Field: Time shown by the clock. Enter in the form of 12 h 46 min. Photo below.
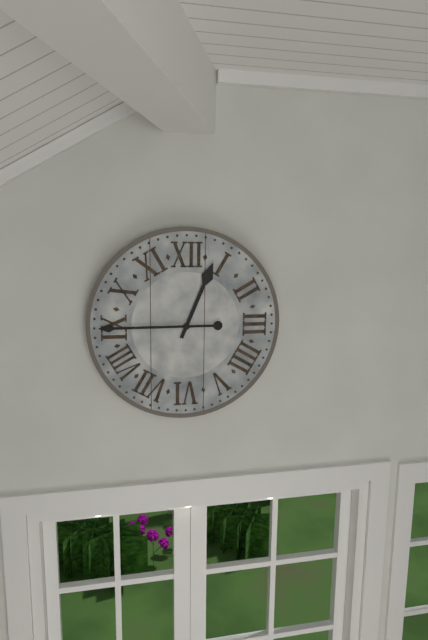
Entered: 12 h 45 min
